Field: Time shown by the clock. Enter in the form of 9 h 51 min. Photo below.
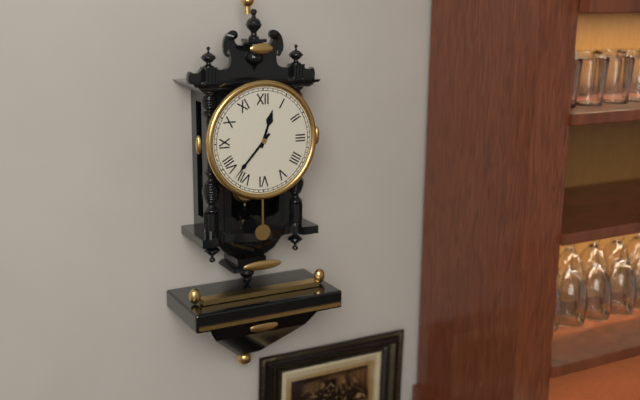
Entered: 12 h 37 min
